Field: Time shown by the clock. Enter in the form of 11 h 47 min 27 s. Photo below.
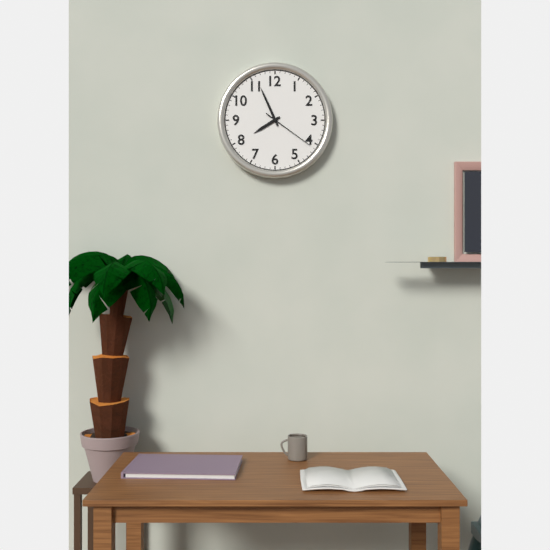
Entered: 7 h 56 min 21 s
